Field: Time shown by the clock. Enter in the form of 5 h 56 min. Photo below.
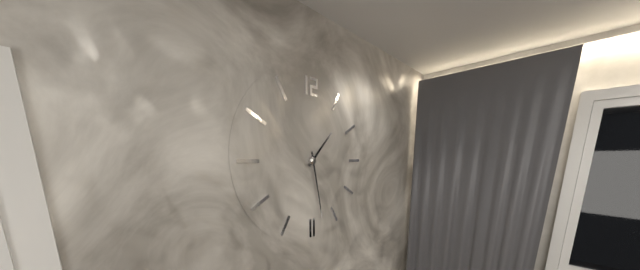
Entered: 1 h 28 min
